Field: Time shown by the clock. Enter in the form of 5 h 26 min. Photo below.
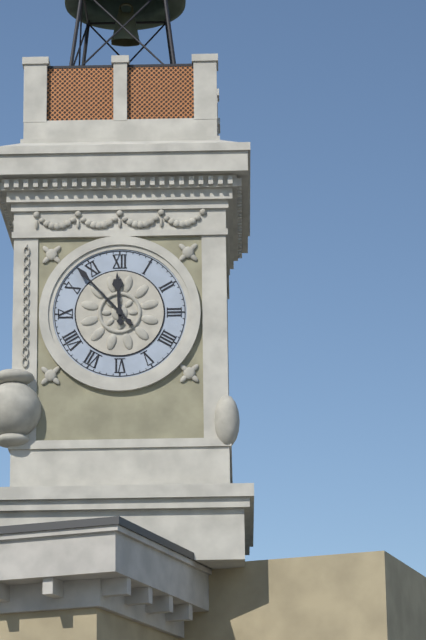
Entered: 11 h 53 min
